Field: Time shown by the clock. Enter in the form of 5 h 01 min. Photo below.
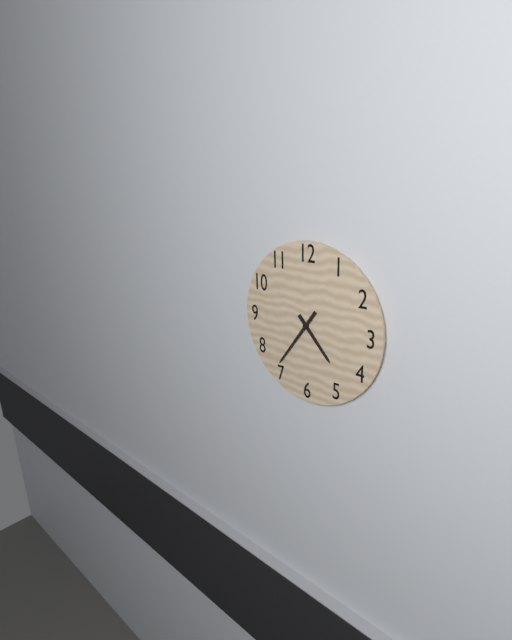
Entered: 4 h 36 min
